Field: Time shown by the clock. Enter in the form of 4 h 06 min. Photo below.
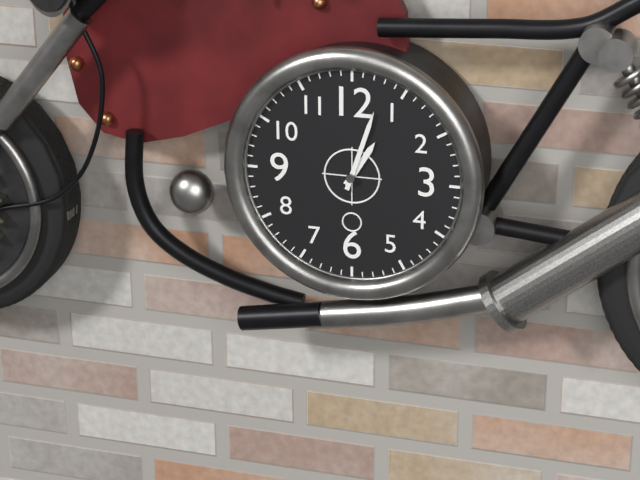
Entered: 1 h 03 min
